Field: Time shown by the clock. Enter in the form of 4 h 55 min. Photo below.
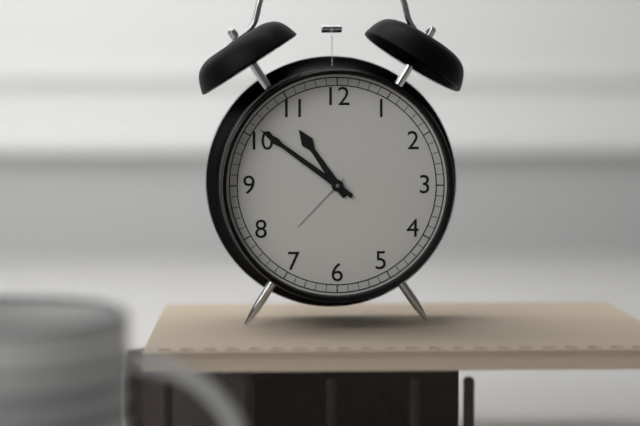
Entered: 10 h 51 min
